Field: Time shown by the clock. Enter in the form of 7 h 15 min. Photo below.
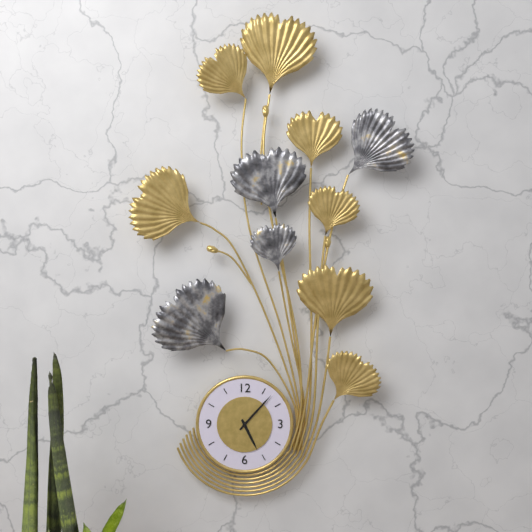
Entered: 5 h 07 min
